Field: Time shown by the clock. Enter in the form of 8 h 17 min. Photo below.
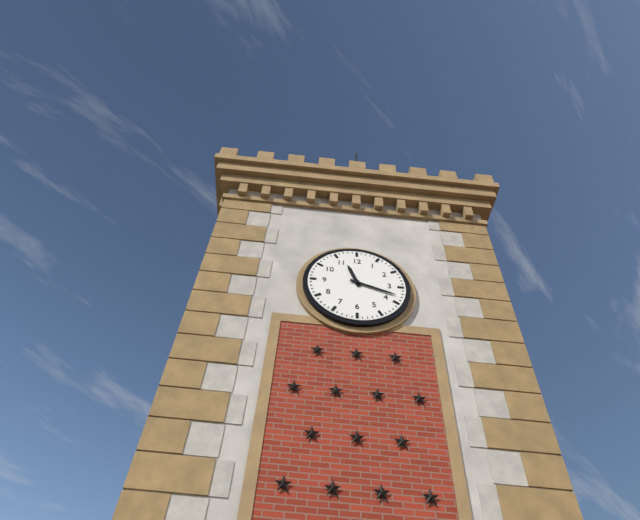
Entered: 11 h 18 min
